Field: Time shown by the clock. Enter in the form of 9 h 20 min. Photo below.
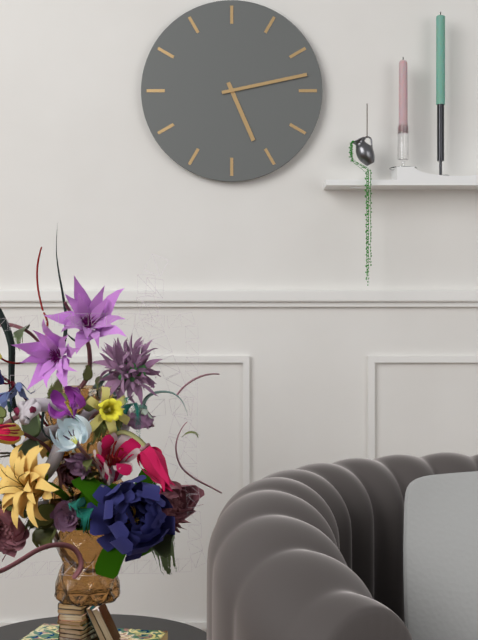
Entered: 5 h 13 min
